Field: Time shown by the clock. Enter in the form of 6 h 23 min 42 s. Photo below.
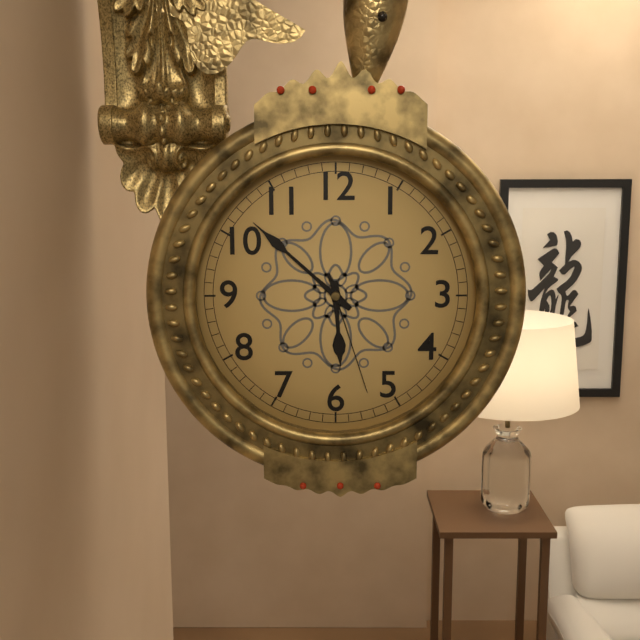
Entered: 5 h 52 min 27 s
